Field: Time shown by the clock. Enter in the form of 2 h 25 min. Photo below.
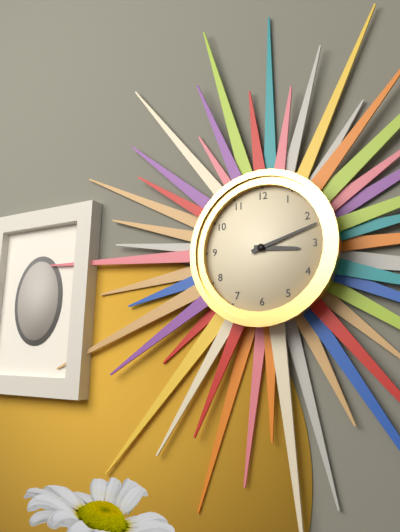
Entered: 3 h 12 min
